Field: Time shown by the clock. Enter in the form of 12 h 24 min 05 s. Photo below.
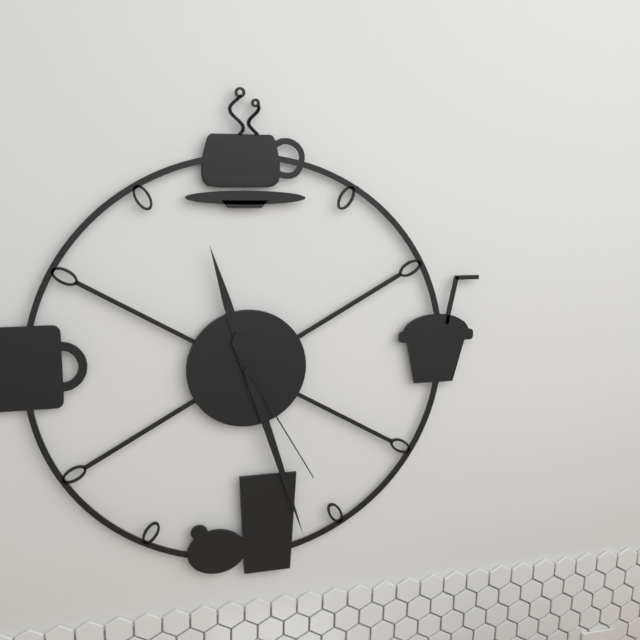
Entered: 11 h 27 min 25 s
